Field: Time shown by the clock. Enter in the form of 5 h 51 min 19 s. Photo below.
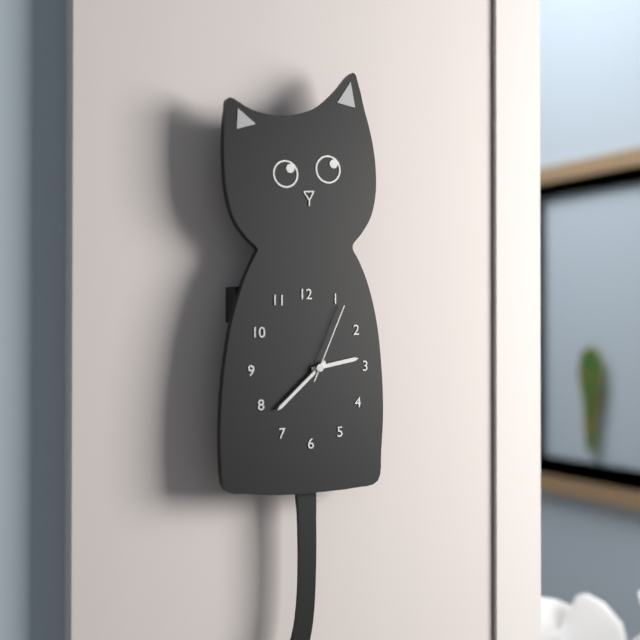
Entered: 2 h 38 min 04 s
